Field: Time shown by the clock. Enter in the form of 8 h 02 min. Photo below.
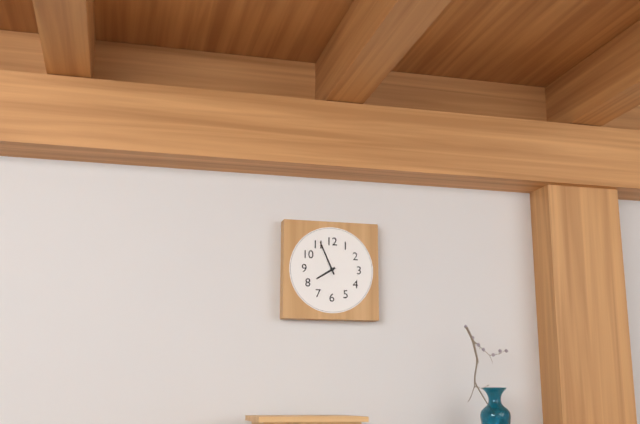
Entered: 7 h 56 min
